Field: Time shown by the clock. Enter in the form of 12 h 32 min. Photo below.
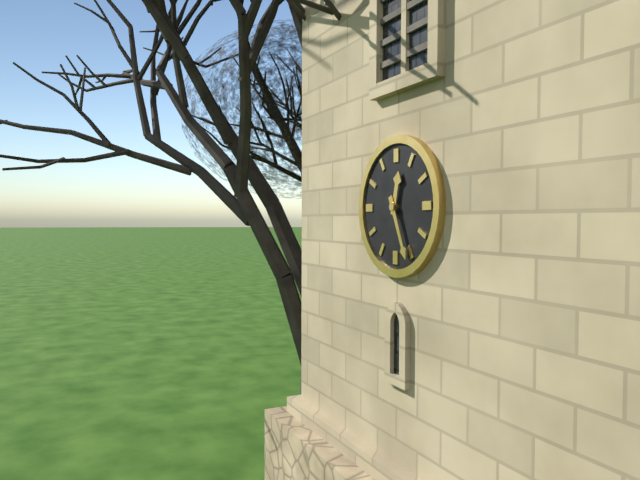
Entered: 12 h 26 min
